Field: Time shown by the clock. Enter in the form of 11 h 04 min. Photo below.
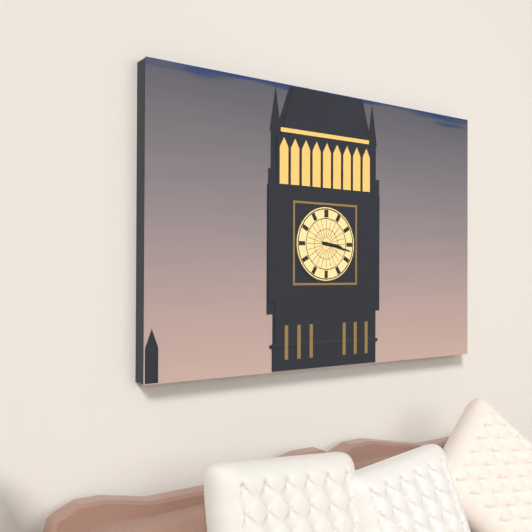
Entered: 3 h 17 min
